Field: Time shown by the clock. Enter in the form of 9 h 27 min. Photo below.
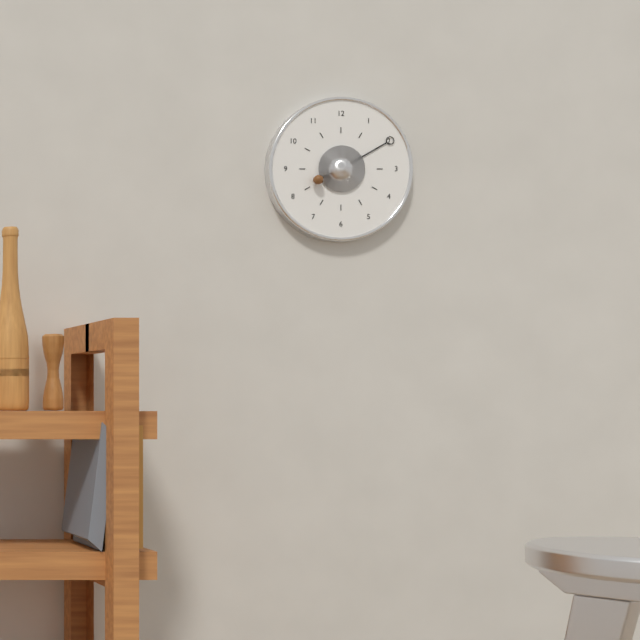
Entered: 8 h 10 min
